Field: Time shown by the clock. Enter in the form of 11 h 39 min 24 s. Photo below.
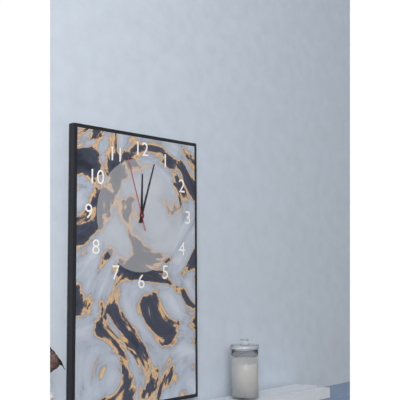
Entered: 12 h 03 min 57 s
